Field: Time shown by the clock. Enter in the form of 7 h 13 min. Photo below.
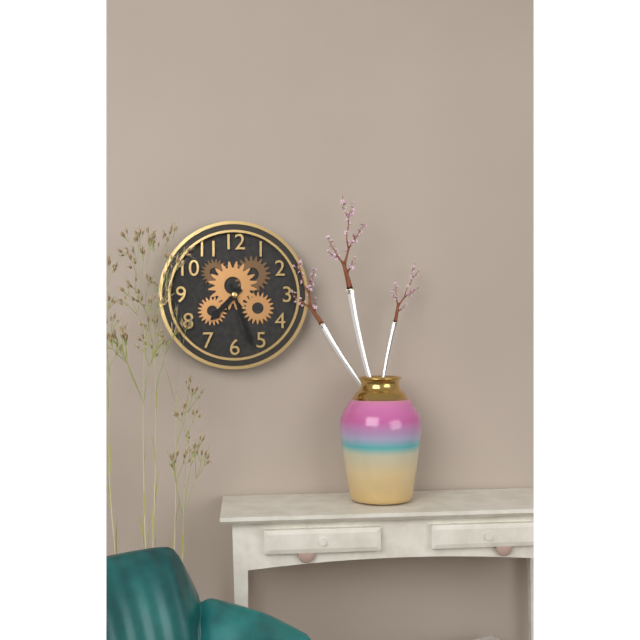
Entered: 7 h 27 min
